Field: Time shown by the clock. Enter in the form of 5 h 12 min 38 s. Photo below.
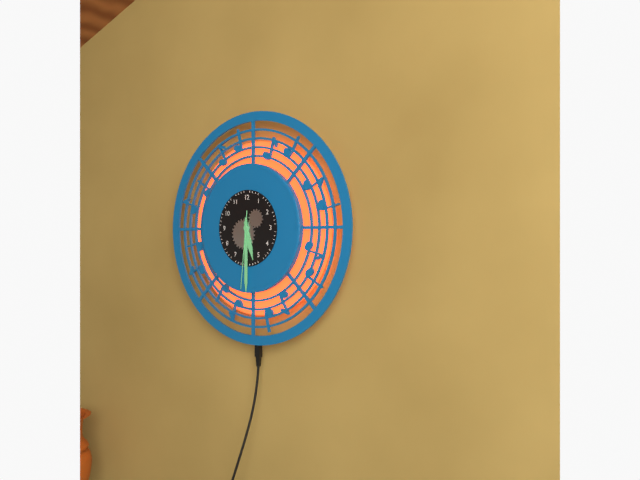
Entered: 5 h 30 min 31 s
